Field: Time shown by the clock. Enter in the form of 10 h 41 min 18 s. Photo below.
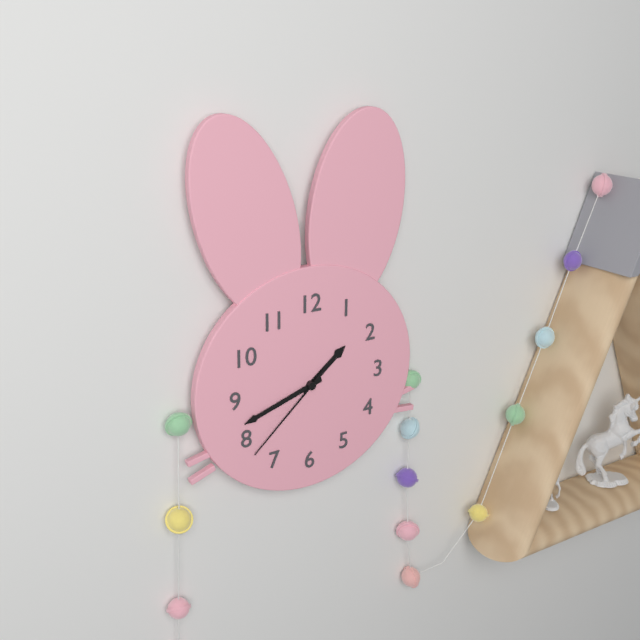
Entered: 1 h 42 min 38 s
